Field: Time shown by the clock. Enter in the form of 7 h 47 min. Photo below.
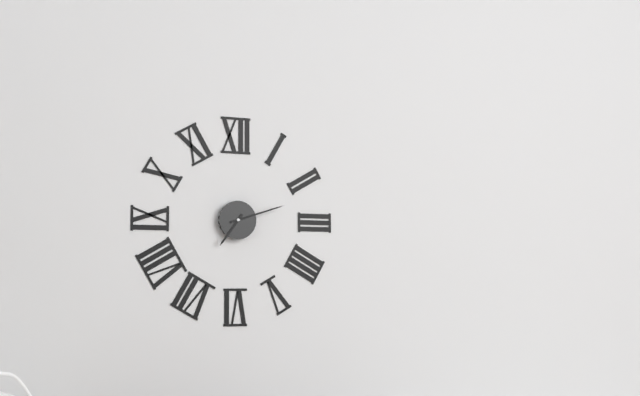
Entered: 7 h 12 min
